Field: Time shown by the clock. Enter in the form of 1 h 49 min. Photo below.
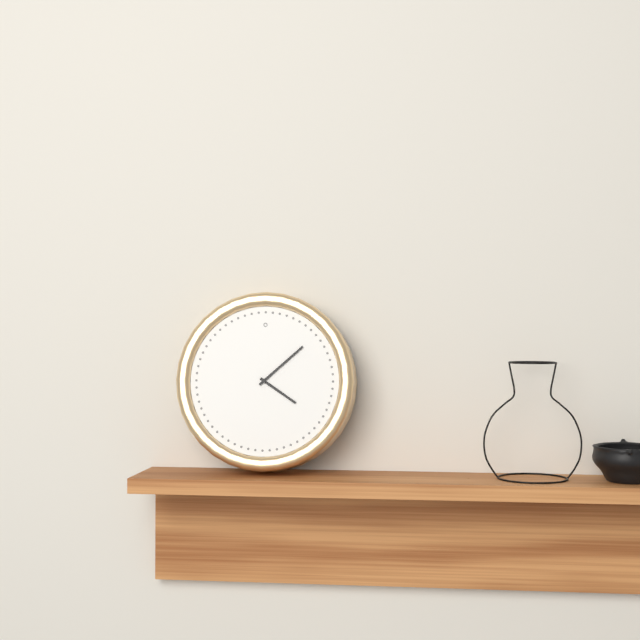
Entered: 4 h 08 min
